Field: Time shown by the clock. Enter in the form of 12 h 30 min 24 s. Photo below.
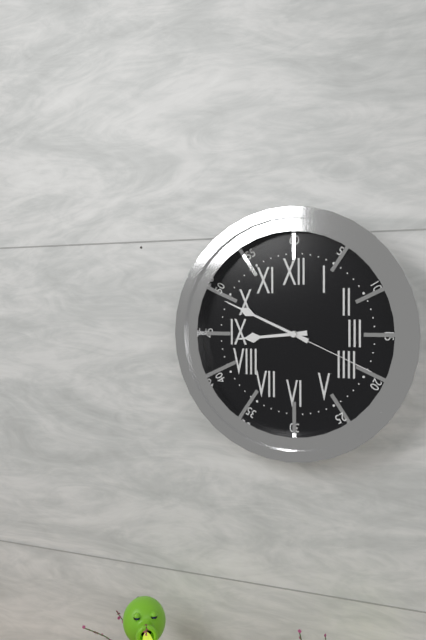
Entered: 8 h 49 min 19 s
